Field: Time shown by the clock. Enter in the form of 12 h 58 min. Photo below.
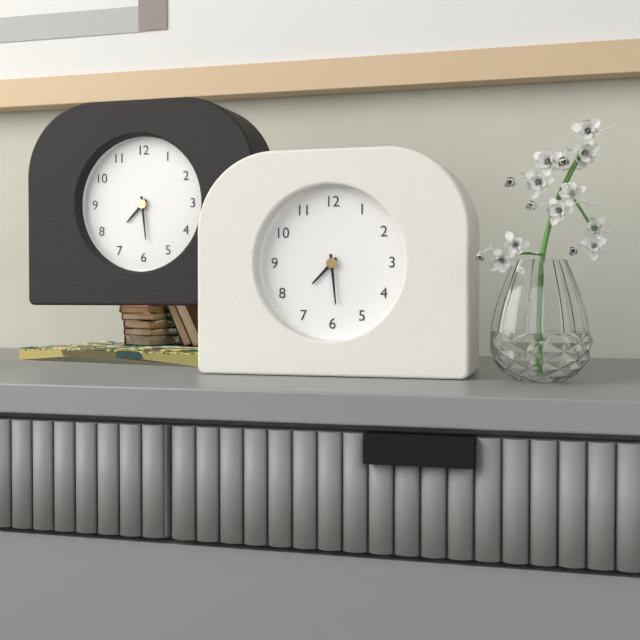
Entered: 7 h 29 min
